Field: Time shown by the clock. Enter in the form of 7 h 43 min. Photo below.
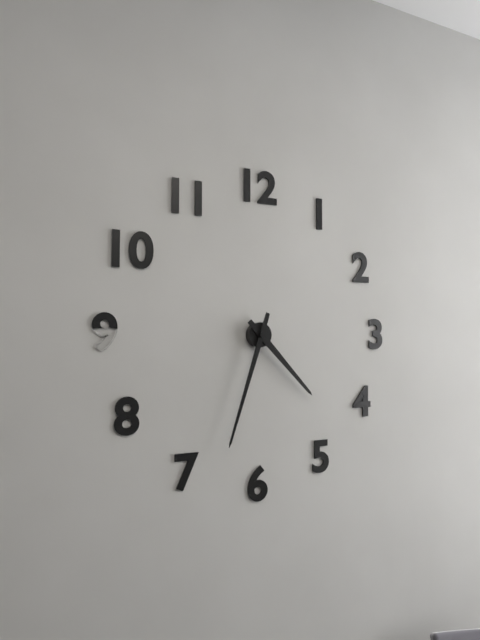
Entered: 4 h 33 min
